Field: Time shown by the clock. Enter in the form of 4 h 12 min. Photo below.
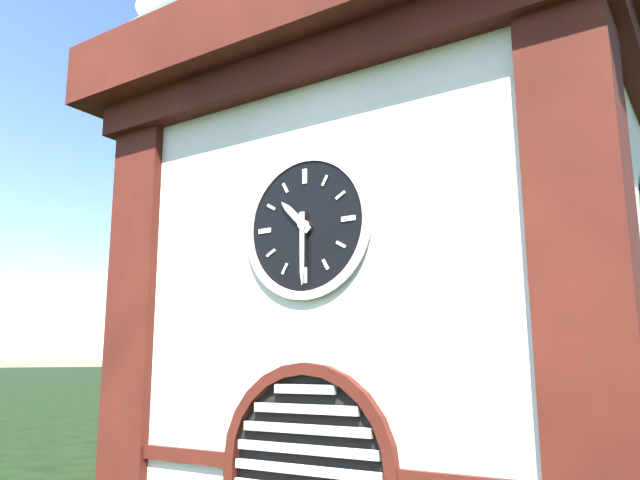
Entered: 10 h 30 min
